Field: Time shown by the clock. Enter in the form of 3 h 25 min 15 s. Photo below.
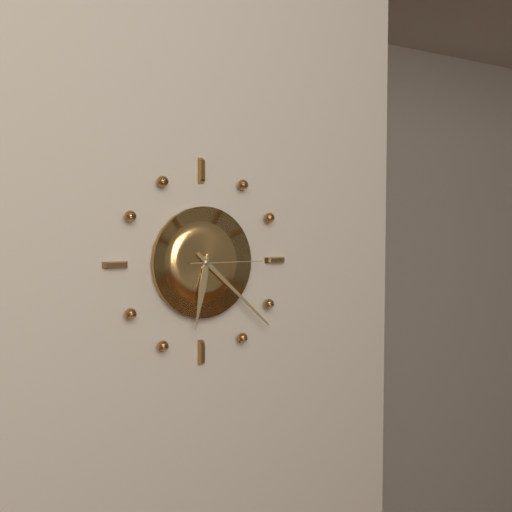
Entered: 6 h 22 min 15 s
